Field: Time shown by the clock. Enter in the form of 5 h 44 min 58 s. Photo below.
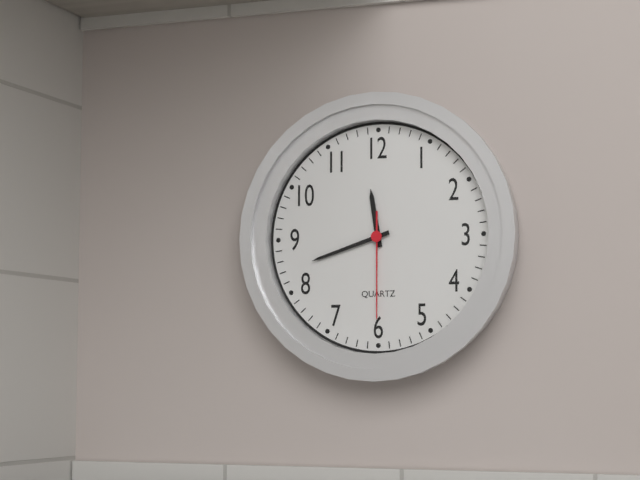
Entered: 11 h 42 min 30 s
